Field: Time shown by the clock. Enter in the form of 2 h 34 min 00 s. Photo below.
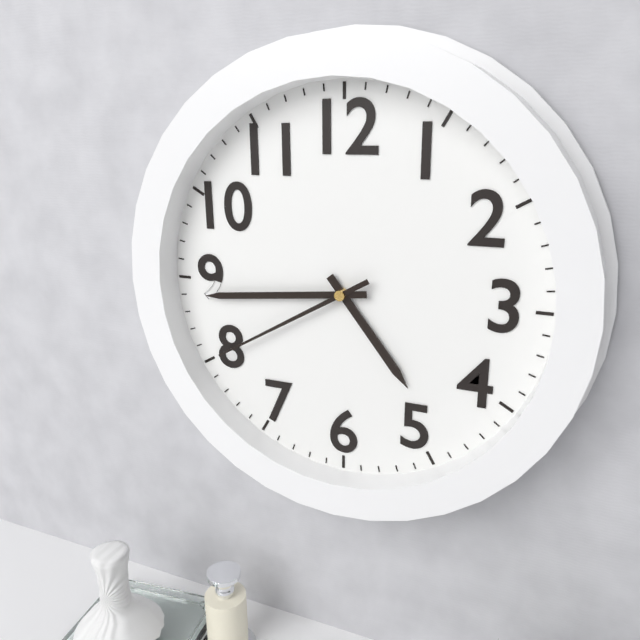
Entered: 4 h 44 min 40 s
